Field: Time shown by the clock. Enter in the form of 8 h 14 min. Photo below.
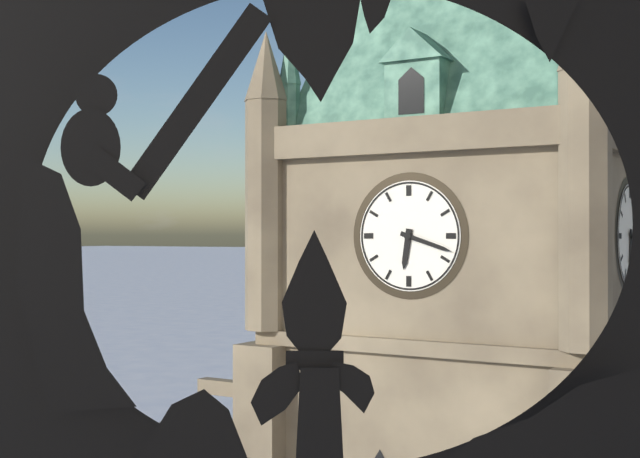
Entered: 6 h 18 min
